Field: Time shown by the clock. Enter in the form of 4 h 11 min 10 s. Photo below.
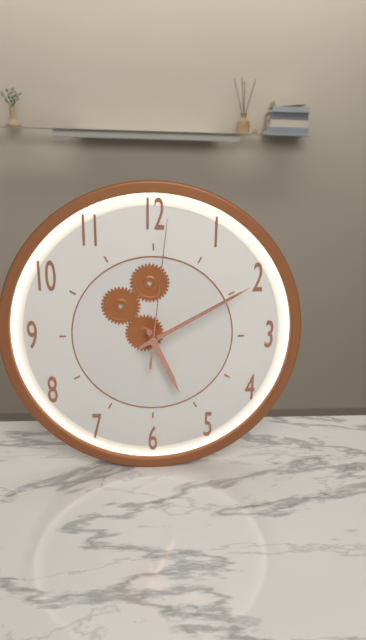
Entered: 5 h 10 min 01 s
